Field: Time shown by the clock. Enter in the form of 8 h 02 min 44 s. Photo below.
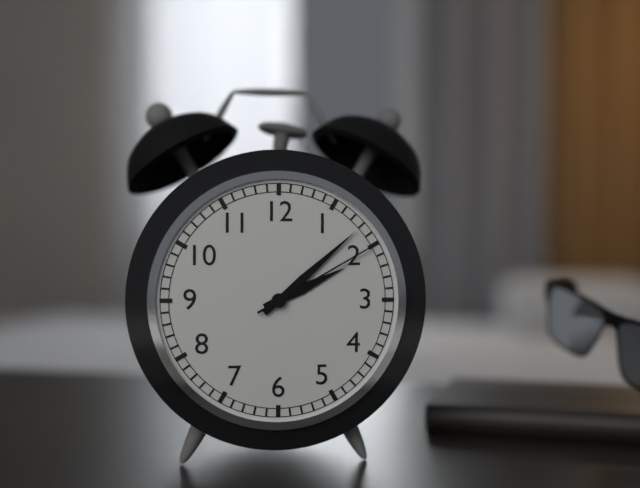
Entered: 2 h 08 min 10 s
